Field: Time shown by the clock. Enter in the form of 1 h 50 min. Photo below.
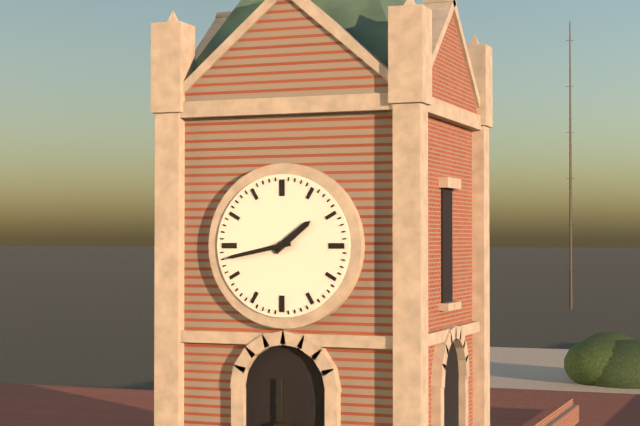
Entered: 1 h 43 min
